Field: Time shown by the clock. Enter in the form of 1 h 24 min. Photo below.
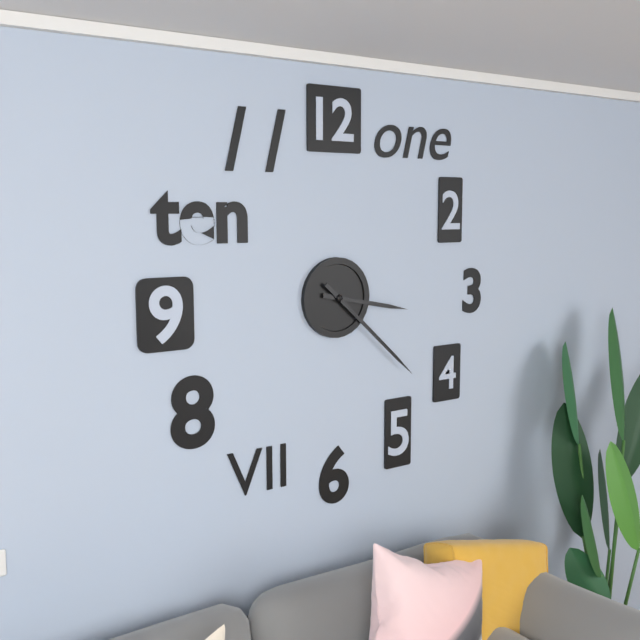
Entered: 3 h 22 min
